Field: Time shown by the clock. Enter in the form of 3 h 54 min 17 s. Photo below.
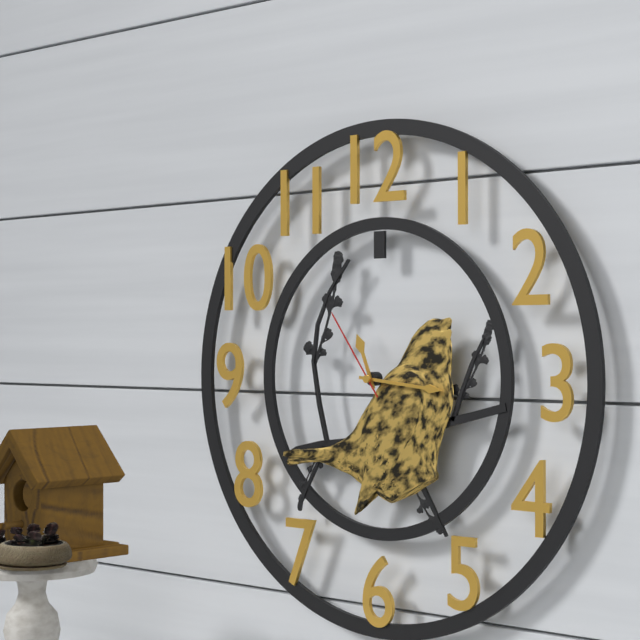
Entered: 11 h 16 min 54 s
